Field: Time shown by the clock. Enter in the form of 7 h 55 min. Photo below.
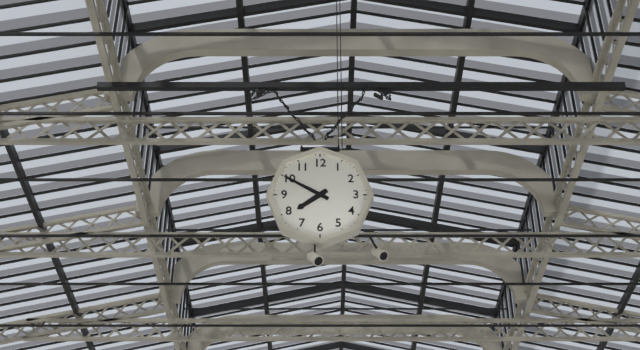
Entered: 7 h 50 min
